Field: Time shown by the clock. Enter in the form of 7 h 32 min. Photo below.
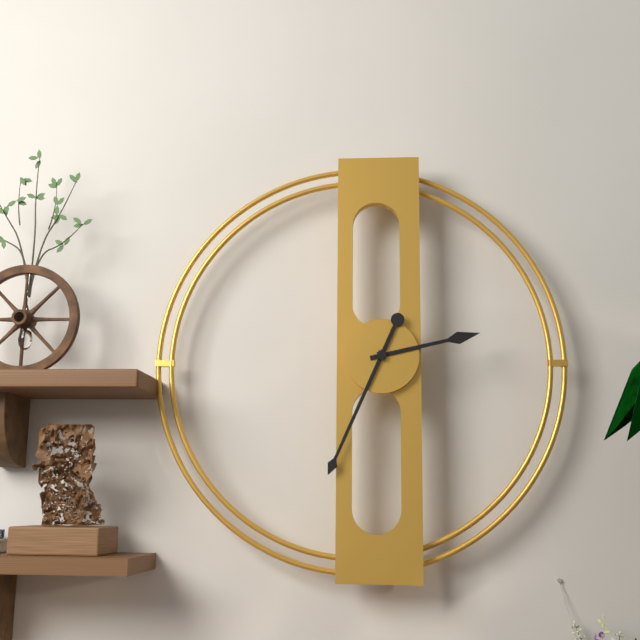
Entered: 2 h 34 min
